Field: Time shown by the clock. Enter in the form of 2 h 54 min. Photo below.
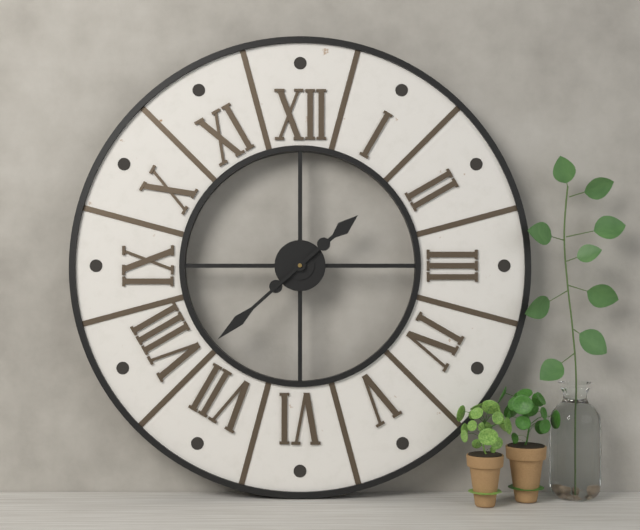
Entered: 1 h 38 min
